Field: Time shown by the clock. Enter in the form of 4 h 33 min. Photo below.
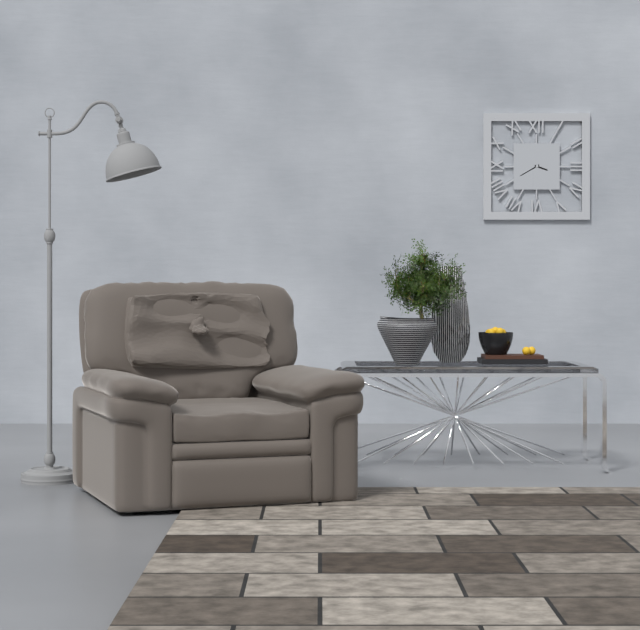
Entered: 3 h 40 min
